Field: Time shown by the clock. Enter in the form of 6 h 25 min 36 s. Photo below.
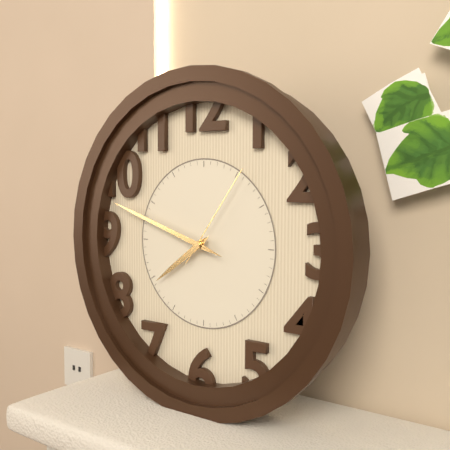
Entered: 7 h 48 min 06 s
